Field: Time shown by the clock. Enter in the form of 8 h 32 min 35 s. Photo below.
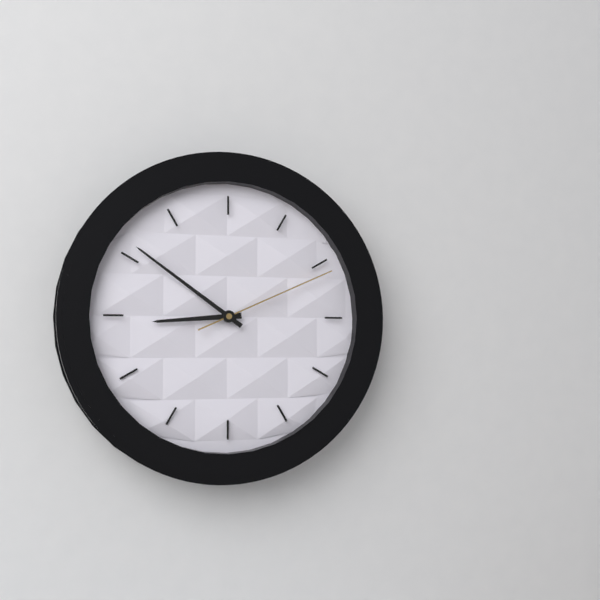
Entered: 8 h 51 min 11 s
